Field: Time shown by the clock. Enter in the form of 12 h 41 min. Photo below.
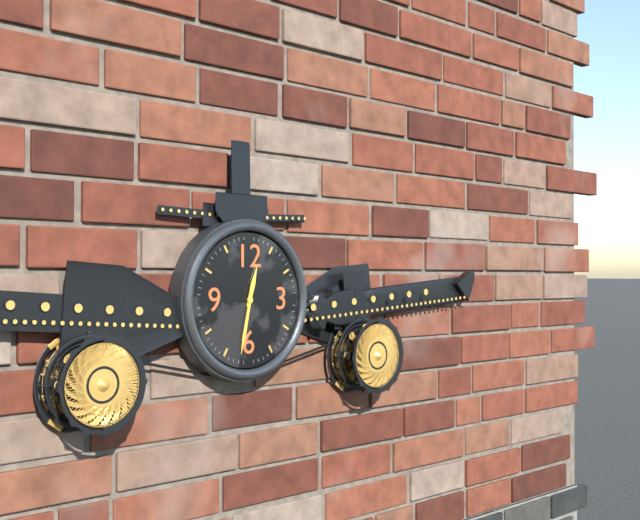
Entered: 12 h 32 min
